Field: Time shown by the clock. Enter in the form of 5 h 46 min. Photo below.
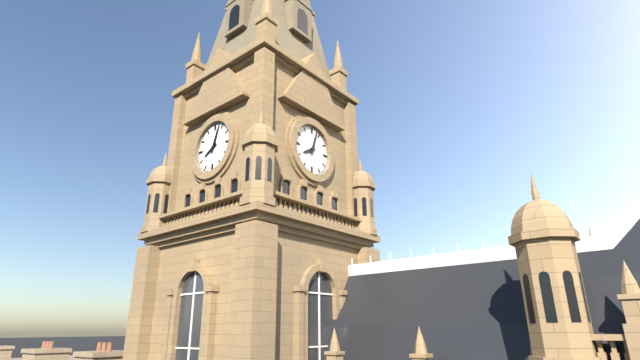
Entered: 8 h 03 min
